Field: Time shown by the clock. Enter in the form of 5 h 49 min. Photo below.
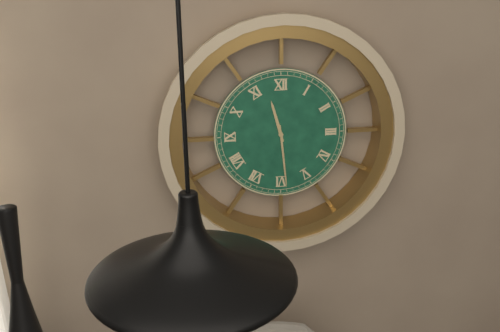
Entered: 11 h 29 min
